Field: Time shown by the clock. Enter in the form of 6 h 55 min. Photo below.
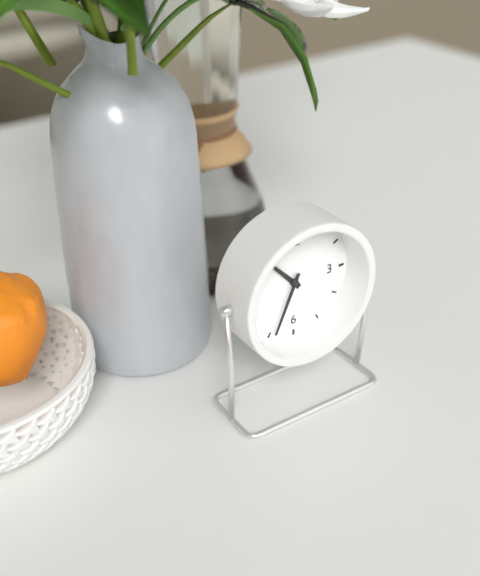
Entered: 10 h 34 min
